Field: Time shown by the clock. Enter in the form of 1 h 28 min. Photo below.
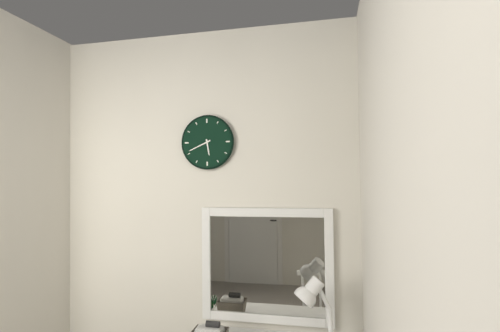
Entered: 5 h 41 min
